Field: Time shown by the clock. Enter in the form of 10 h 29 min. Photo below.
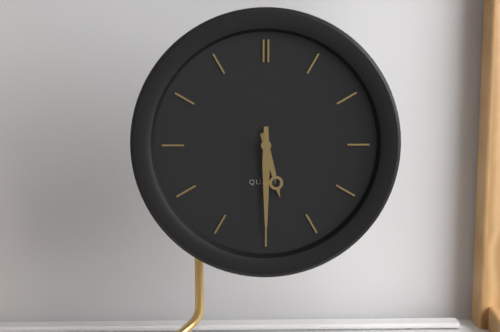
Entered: 5 h 30 min
